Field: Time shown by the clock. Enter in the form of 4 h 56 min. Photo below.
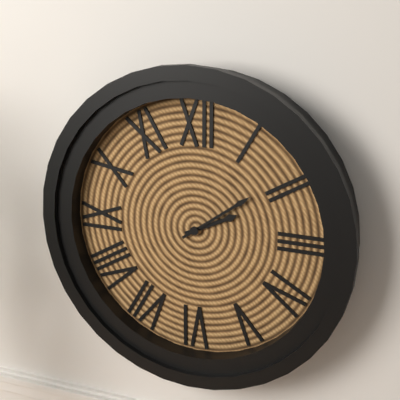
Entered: 2 h 09 min
